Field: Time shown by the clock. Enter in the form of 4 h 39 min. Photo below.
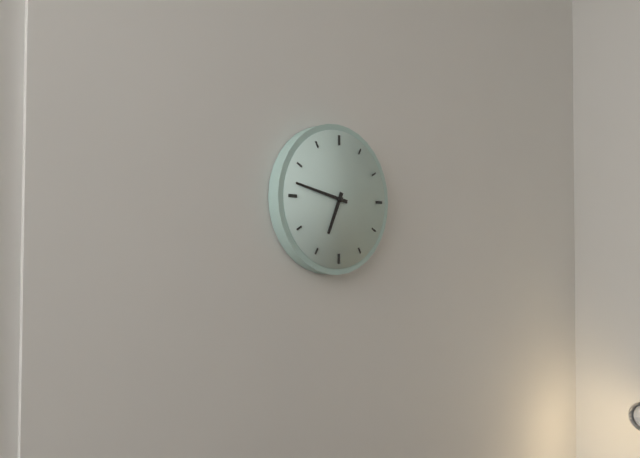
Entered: 6 h 47 min
